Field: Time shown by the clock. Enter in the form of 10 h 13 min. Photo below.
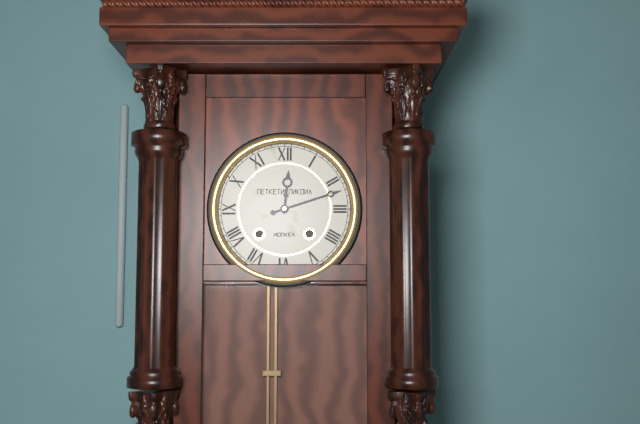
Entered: 12 h 12 min
